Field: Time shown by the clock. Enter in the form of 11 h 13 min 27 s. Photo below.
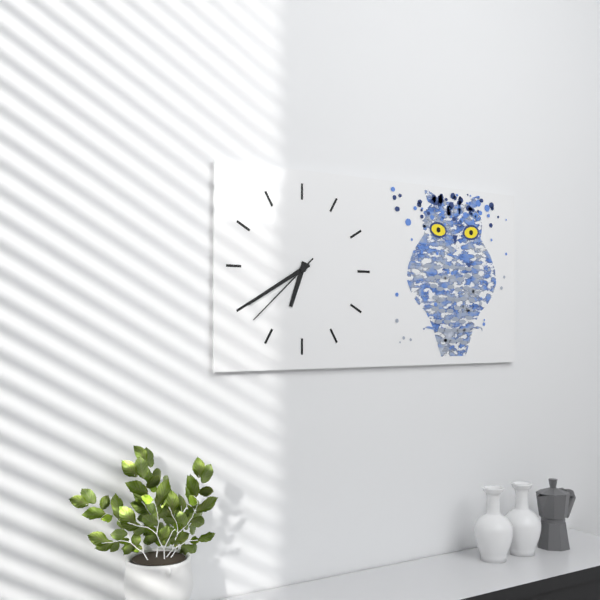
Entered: 6 h 40 min 38 s
